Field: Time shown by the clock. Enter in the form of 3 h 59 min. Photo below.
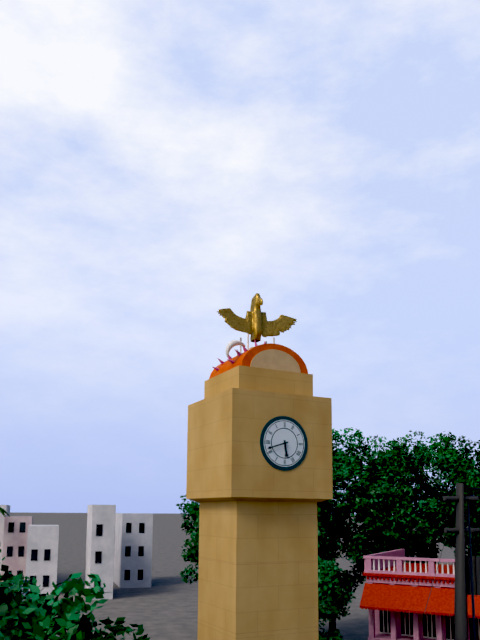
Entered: 5 h 42 min
